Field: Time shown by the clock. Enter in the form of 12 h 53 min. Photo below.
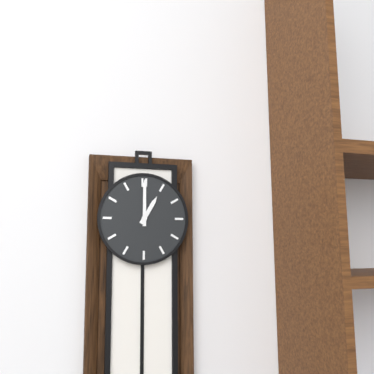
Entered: 1 h 00 min
